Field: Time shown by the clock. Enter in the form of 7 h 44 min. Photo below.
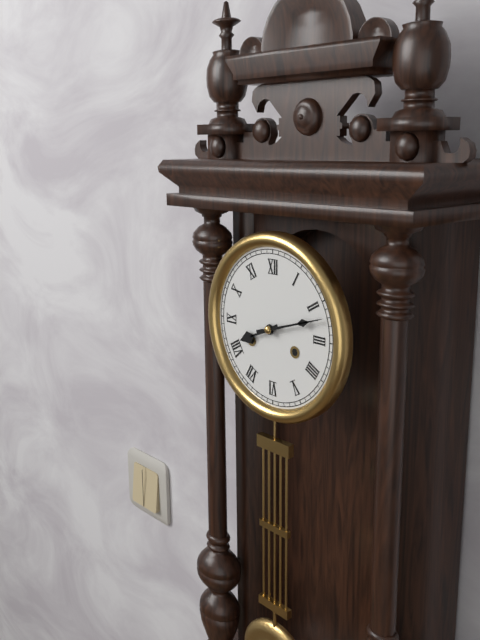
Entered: 8 h 12 min
